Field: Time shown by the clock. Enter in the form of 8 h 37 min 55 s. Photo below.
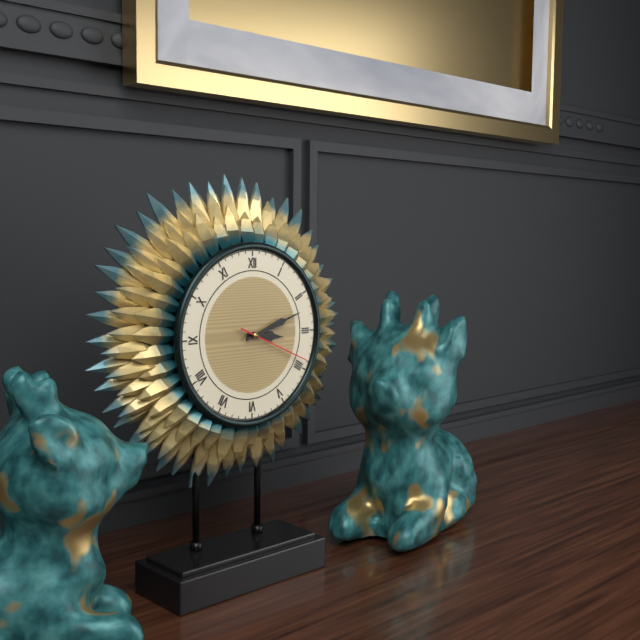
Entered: 3 h 12 min 19 s
